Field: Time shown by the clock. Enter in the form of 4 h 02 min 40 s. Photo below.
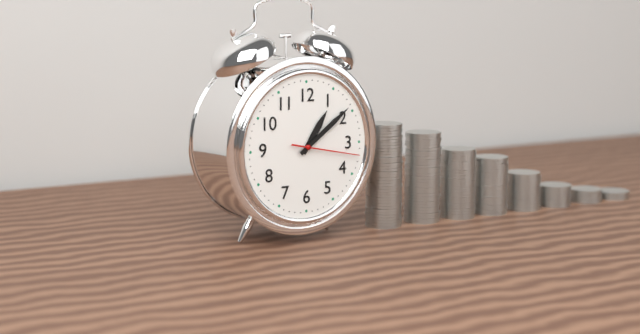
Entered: 1 h 09 min 17 s
